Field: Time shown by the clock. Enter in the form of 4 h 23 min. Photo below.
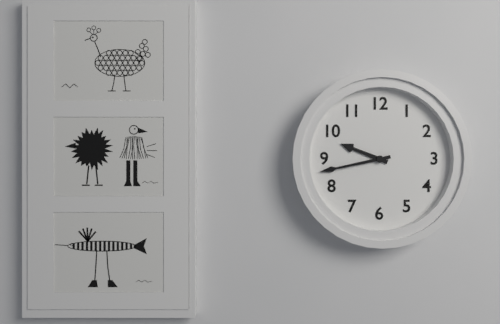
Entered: 9 h 43 min
